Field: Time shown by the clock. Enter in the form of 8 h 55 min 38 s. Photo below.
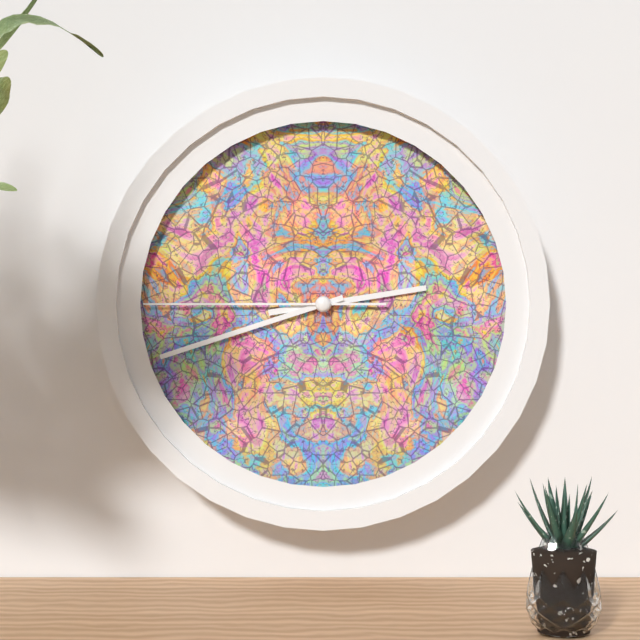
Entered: 2 h 42 min 45 s
